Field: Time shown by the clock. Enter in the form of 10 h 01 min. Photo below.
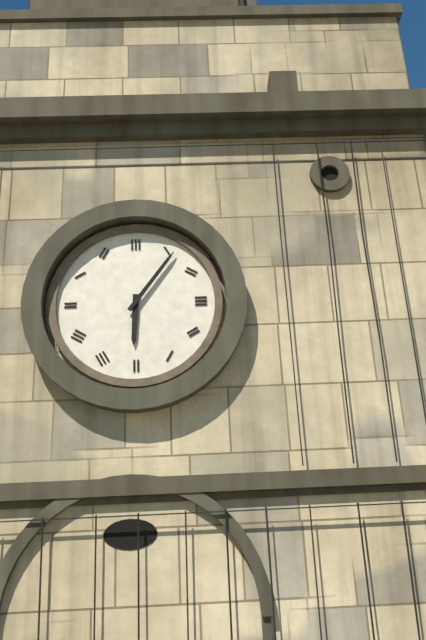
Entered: 6 h 06 min
